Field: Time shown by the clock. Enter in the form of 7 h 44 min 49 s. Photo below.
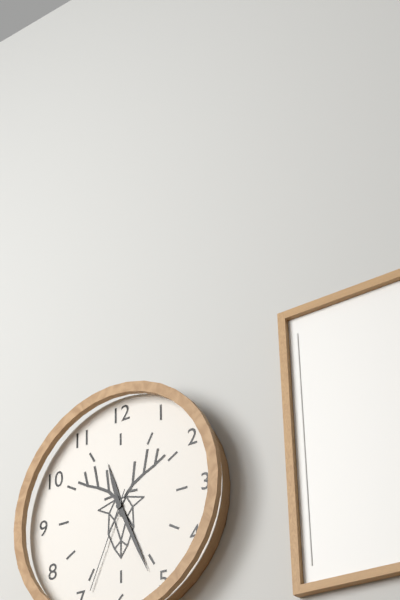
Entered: 11 h 26 min 34 s
